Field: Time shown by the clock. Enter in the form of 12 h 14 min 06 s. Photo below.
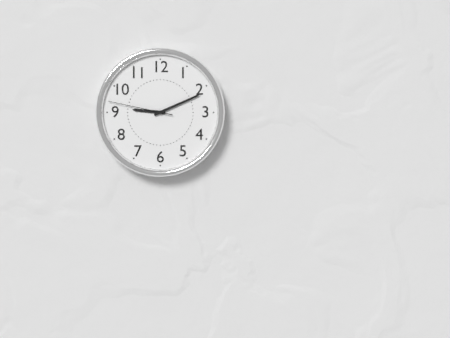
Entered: 9 h 11 min 47 s
